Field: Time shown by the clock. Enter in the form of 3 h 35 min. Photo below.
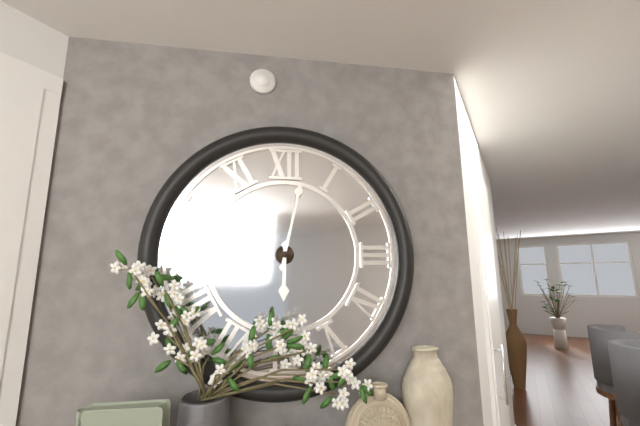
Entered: 6 h 02 min
